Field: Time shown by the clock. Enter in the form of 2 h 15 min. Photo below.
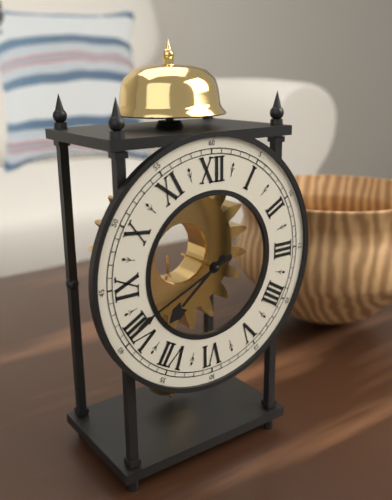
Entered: 7 h 41 min
